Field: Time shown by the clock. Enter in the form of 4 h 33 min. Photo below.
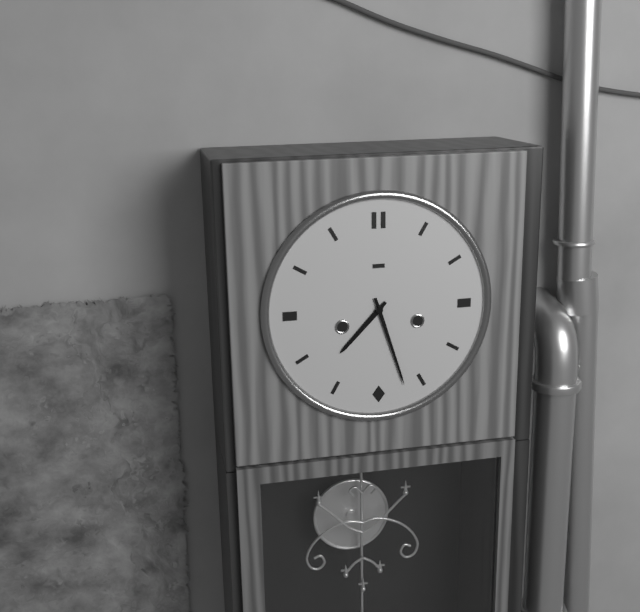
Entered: 7 h 27 min
